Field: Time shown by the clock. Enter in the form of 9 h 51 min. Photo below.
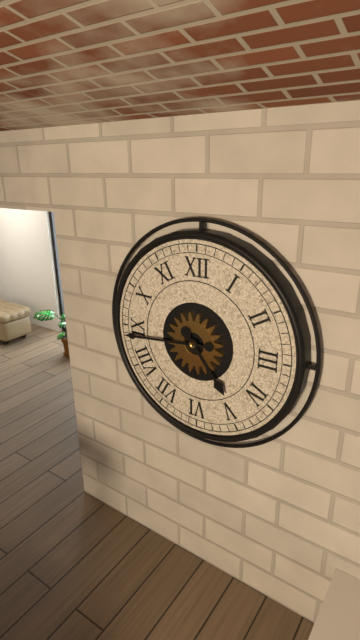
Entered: 4 h 44 min
